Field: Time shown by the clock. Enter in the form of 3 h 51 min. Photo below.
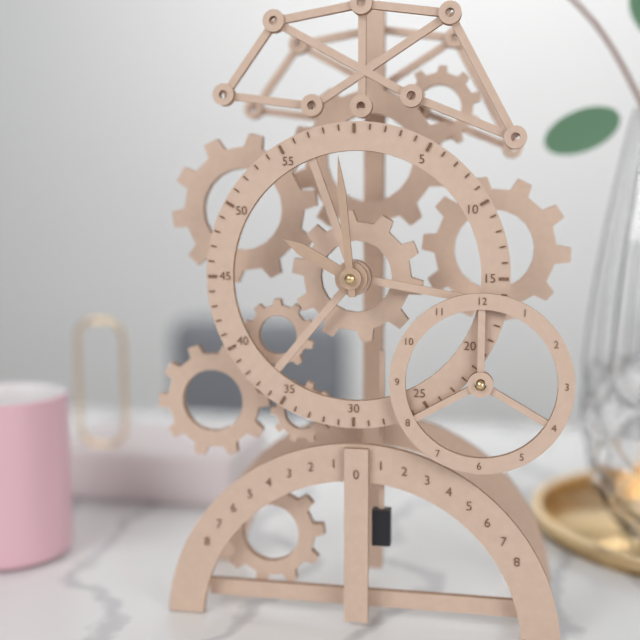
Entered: 9 h 59 min
